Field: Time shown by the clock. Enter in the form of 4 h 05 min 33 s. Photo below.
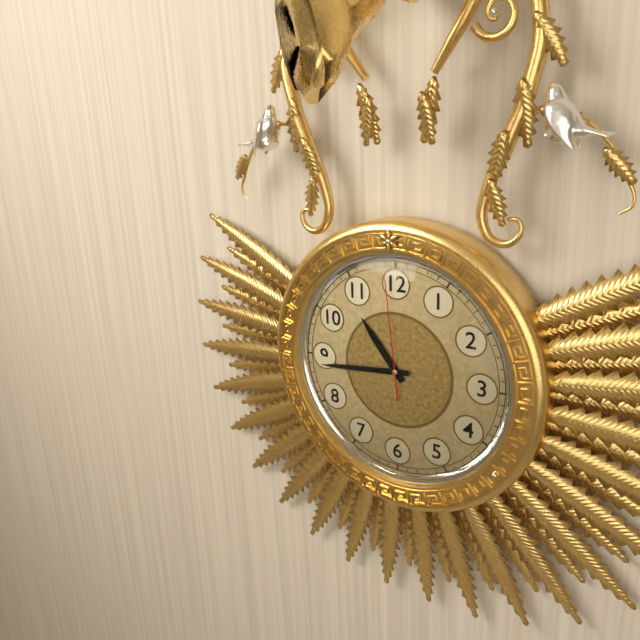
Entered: 10 h 44 min 59 s
